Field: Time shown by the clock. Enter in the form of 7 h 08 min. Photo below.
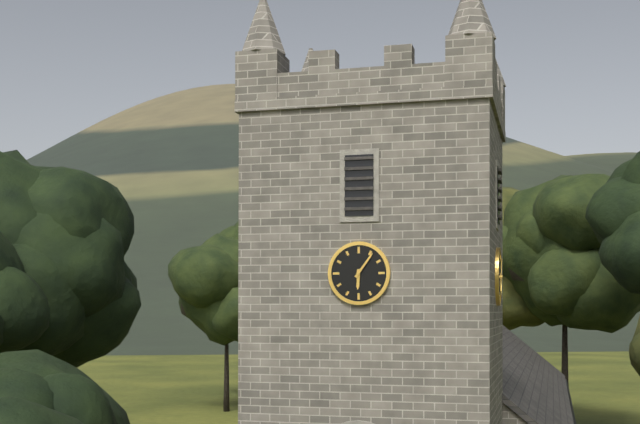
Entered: 6 h 06 min
